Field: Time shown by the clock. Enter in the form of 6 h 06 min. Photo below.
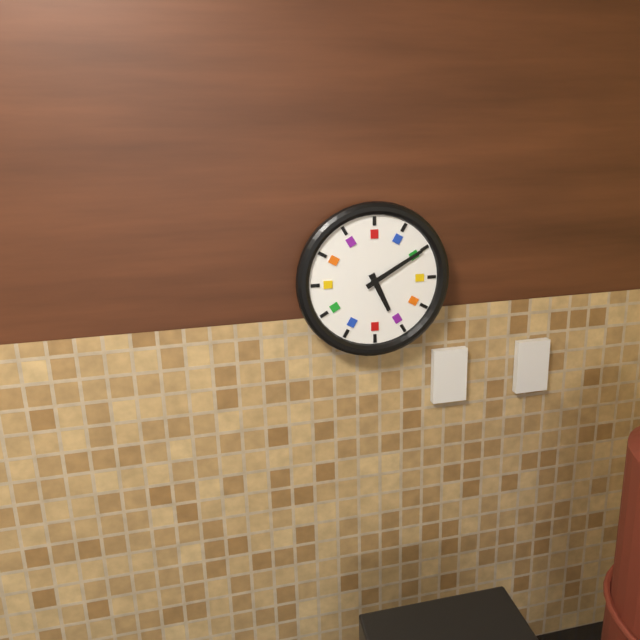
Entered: 5 h 10 min
